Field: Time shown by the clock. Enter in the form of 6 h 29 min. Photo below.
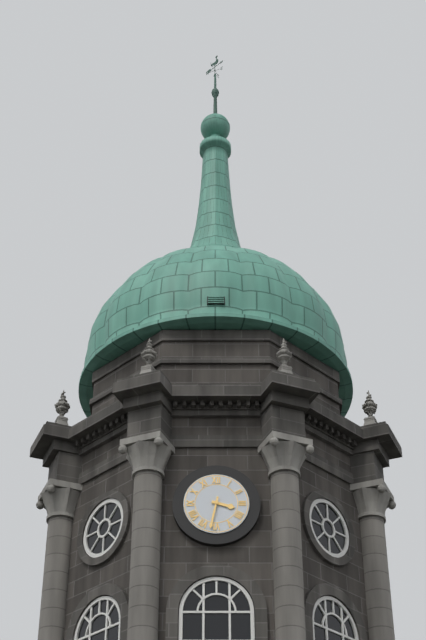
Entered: 3 h 32 min
